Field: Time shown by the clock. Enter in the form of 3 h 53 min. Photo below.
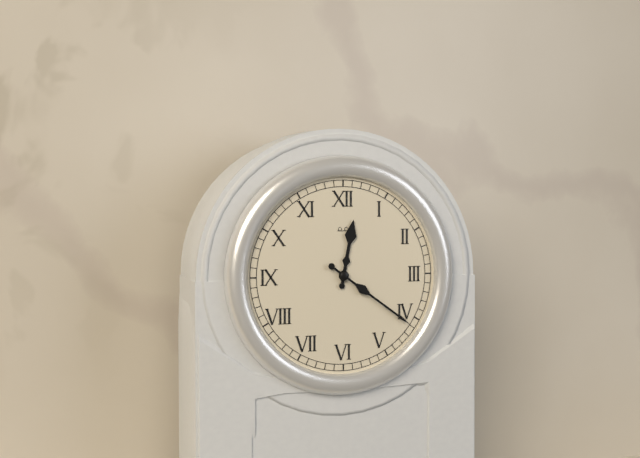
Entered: 12 h 21 min
